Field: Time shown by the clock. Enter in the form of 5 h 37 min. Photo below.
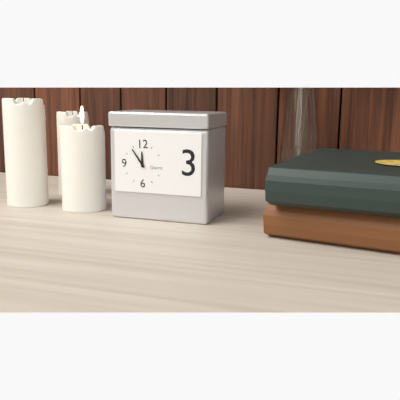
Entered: 11 h 54 min
